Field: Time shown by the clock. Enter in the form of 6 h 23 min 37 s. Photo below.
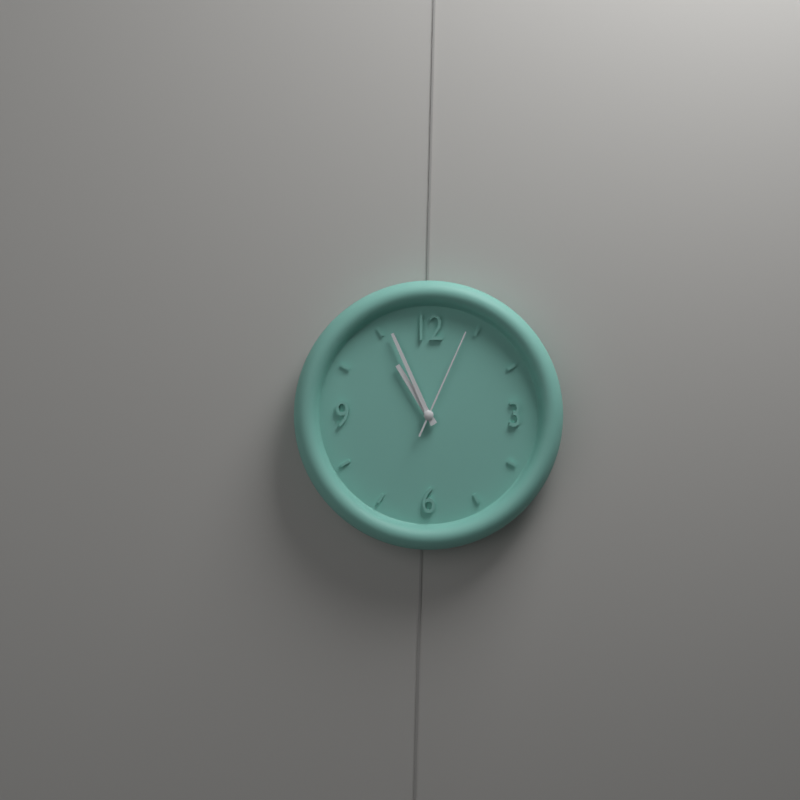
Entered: 10 h 56 min 04 s
